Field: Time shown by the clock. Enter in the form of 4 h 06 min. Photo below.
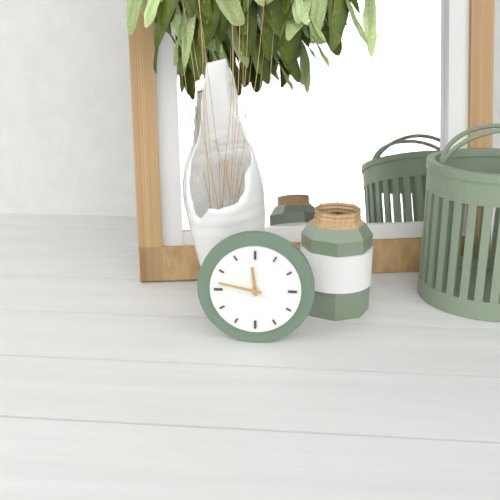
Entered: 11 h 47 min
